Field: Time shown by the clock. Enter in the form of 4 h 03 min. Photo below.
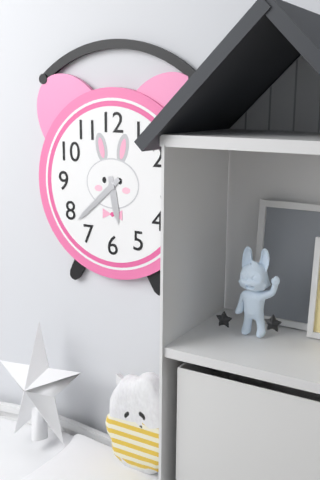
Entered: 5 h 38 min
